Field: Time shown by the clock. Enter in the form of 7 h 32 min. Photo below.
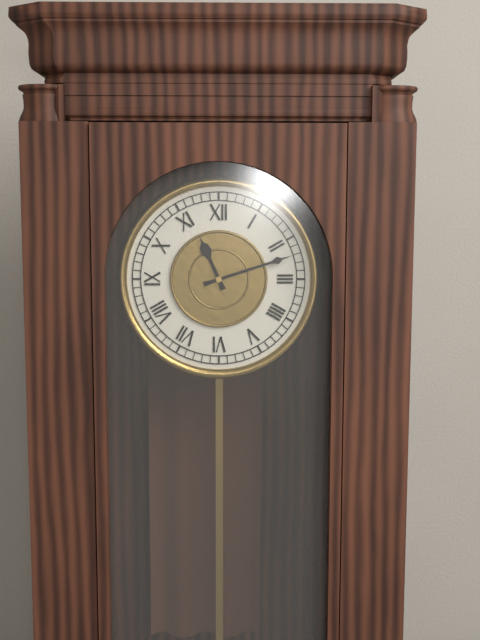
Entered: 11 h 12 min
